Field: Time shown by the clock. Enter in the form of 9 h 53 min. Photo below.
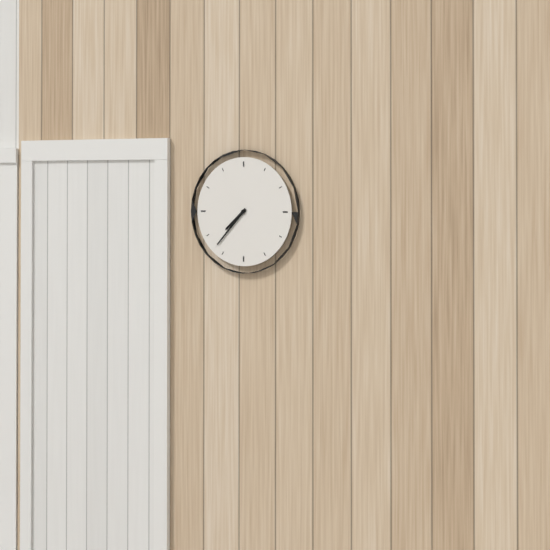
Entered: 7 h 37 min
